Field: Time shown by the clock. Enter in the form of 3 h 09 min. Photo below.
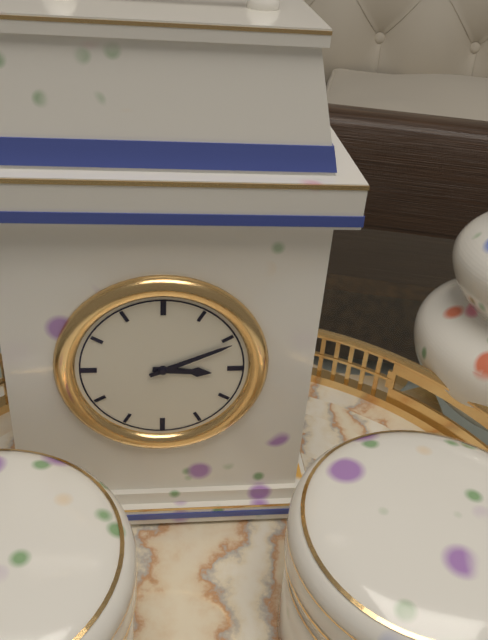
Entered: 3 h 11 min
